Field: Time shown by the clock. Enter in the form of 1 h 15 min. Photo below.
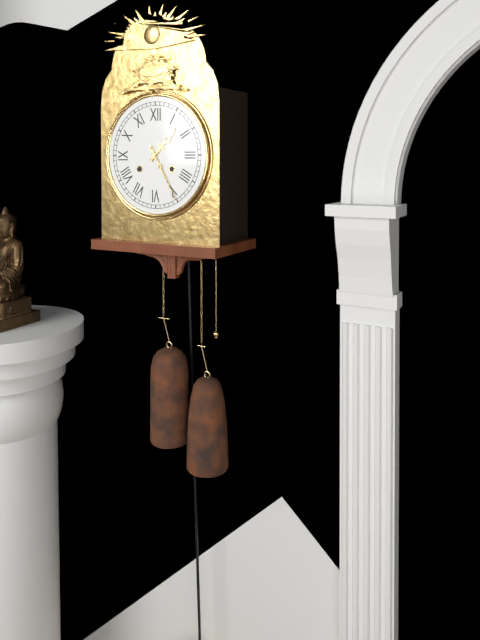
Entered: 1 h 25 min
